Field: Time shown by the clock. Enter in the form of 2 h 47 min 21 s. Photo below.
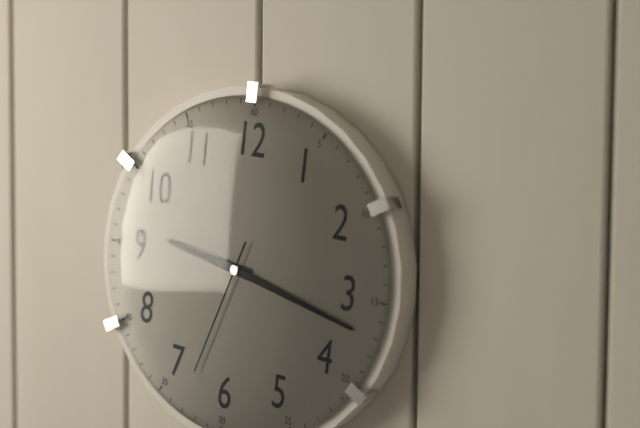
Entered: 9 h 17 min 33 s
